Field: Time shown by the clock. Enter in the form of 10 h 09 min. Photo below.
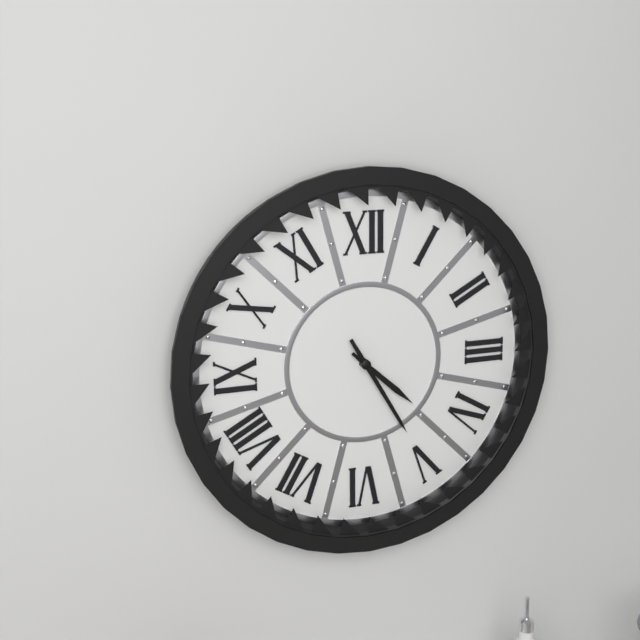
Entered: 4 h 25 min
